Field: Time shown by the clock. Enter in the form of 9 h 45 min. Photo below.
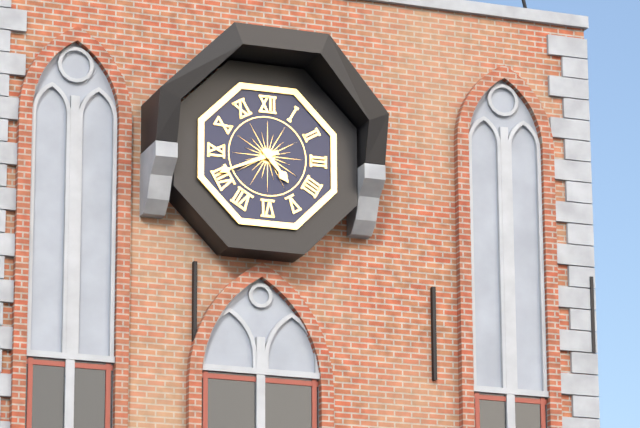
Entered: 4 h 41 min
